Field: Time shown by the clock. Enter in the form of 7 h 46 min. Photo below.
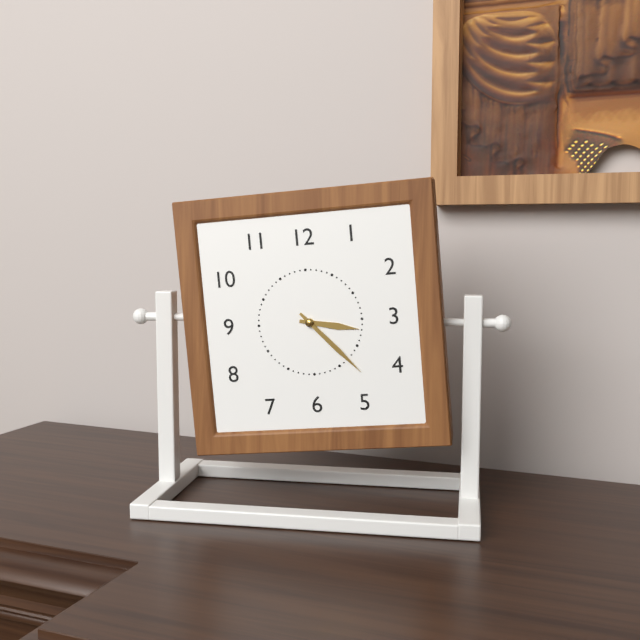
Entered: 3 h 23 min
